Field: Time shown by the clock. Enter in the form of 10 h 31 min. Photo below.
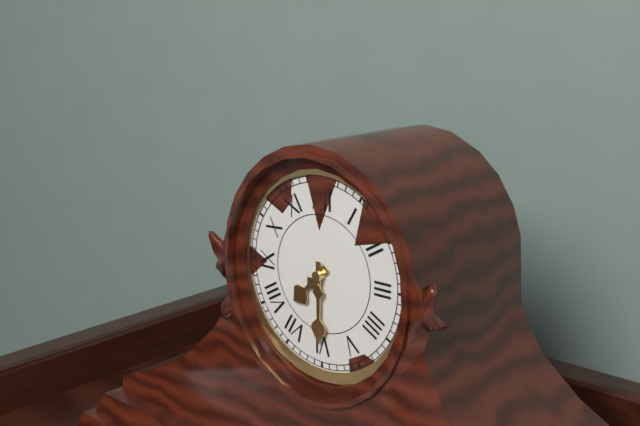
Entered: 7 h 30 min
